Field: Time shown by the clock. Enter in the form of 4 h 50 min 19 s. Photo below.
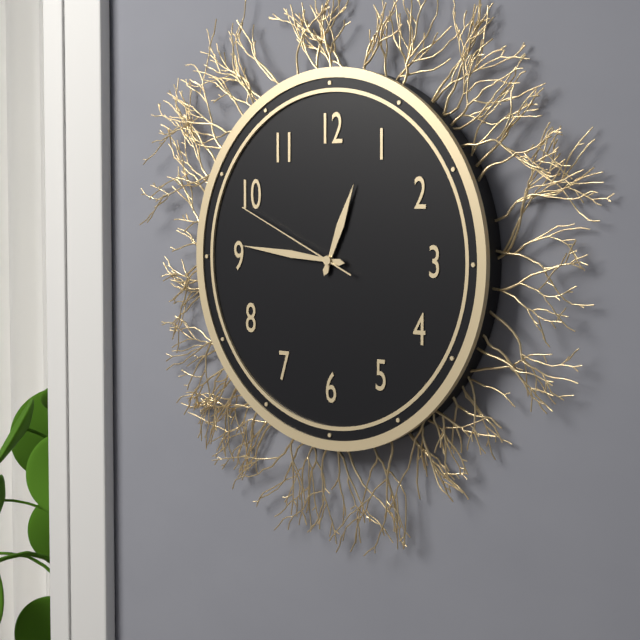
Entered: 12 h 46 min 49 s
